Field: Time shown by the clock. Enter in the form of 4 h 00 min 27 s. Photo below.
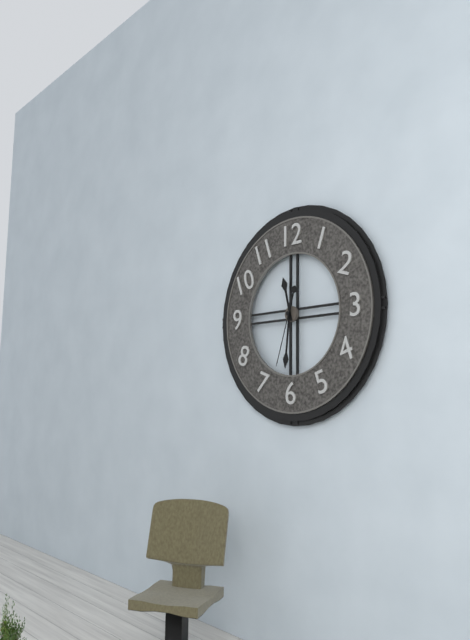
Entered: 11 h 31 min 33 s
